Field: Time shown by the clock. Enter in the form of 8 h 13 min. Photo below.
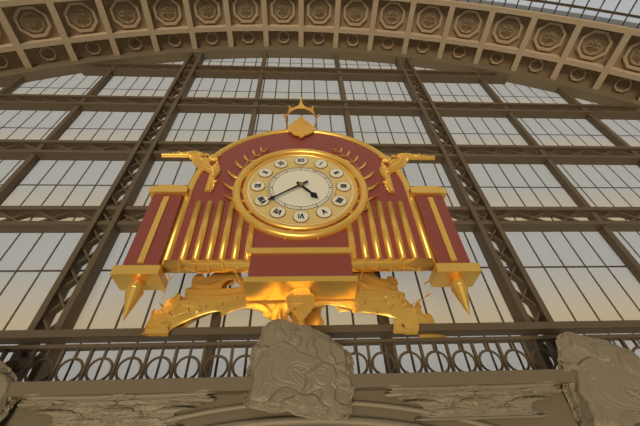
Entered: 4 h 39 min
